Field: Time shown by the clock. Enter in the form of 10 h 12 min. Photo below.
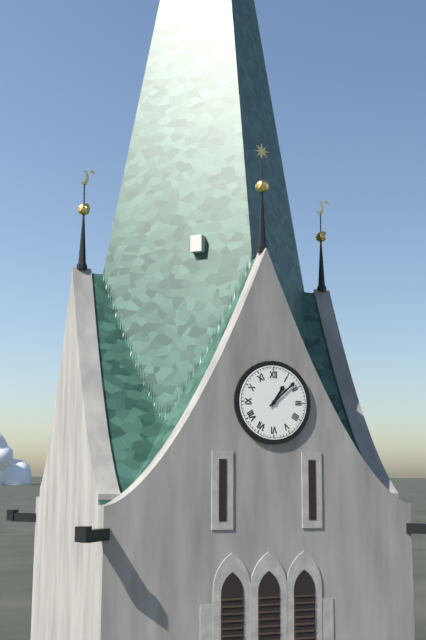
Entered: 1 h 08 min
